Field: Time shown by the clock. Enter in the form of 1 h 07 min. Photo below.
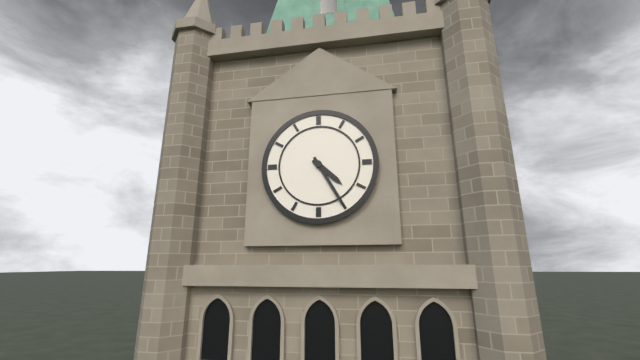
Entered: 4 h 25 min
